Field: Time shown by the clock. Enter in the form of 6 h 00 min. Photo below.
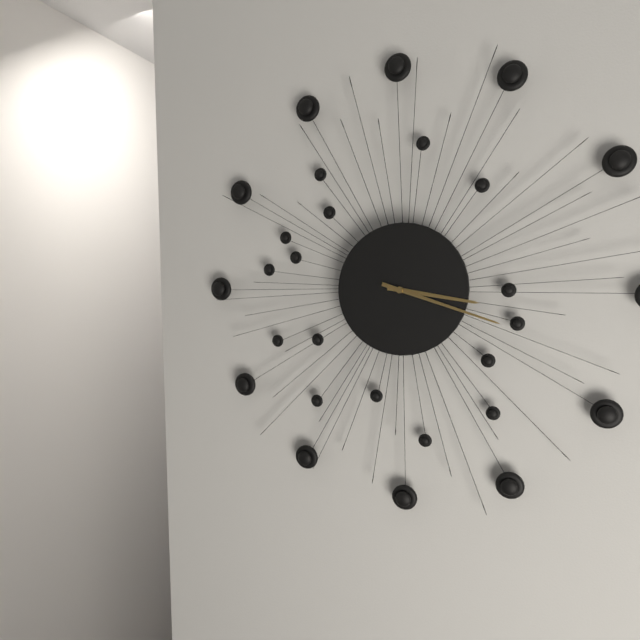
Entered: 3 h 18 min
